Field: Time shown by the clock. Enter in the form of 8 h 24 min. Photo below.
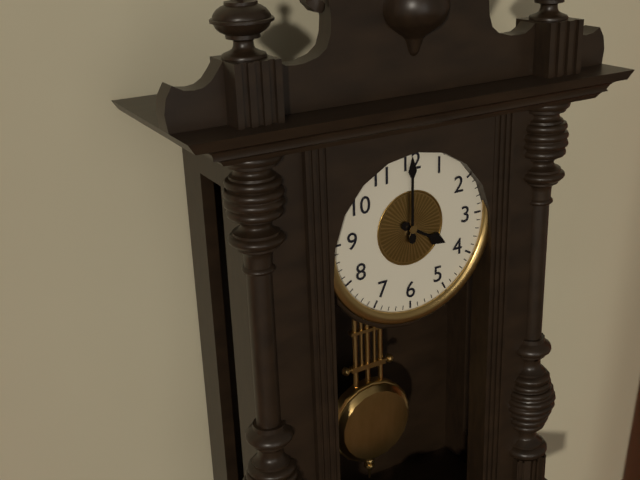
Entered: 4 h 00 min
